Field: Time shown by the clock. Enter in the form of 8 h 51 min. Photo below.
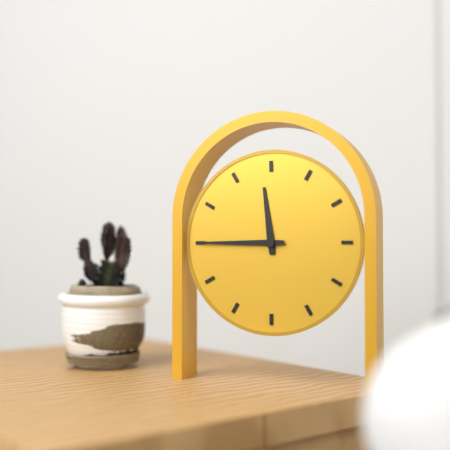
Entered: 11 h 45 min
